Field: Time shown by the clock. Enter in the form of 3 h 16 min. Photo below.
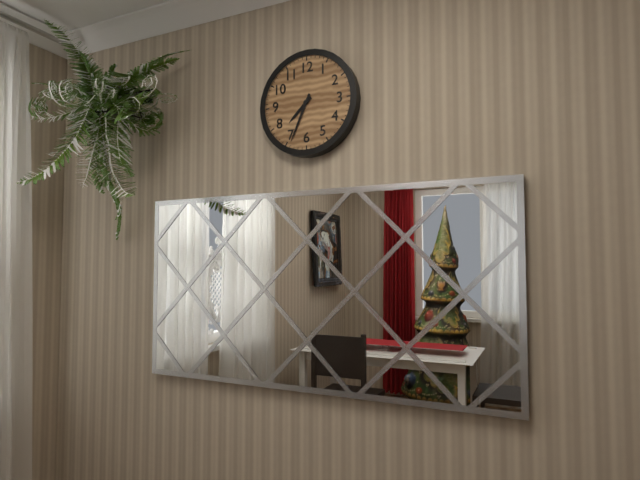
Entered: 7 h 34 min
